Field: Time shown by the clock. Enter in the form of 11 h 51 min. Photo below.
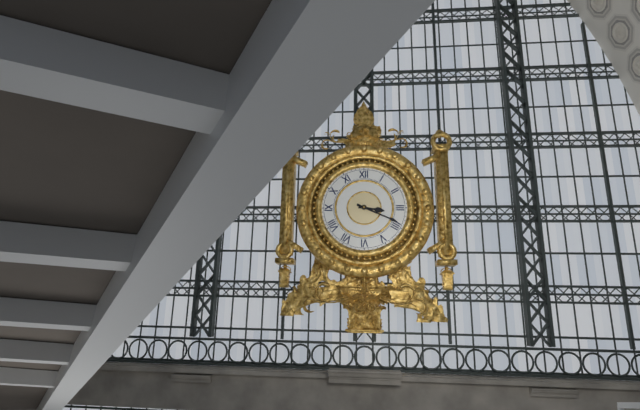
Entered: 3 h 19 min
